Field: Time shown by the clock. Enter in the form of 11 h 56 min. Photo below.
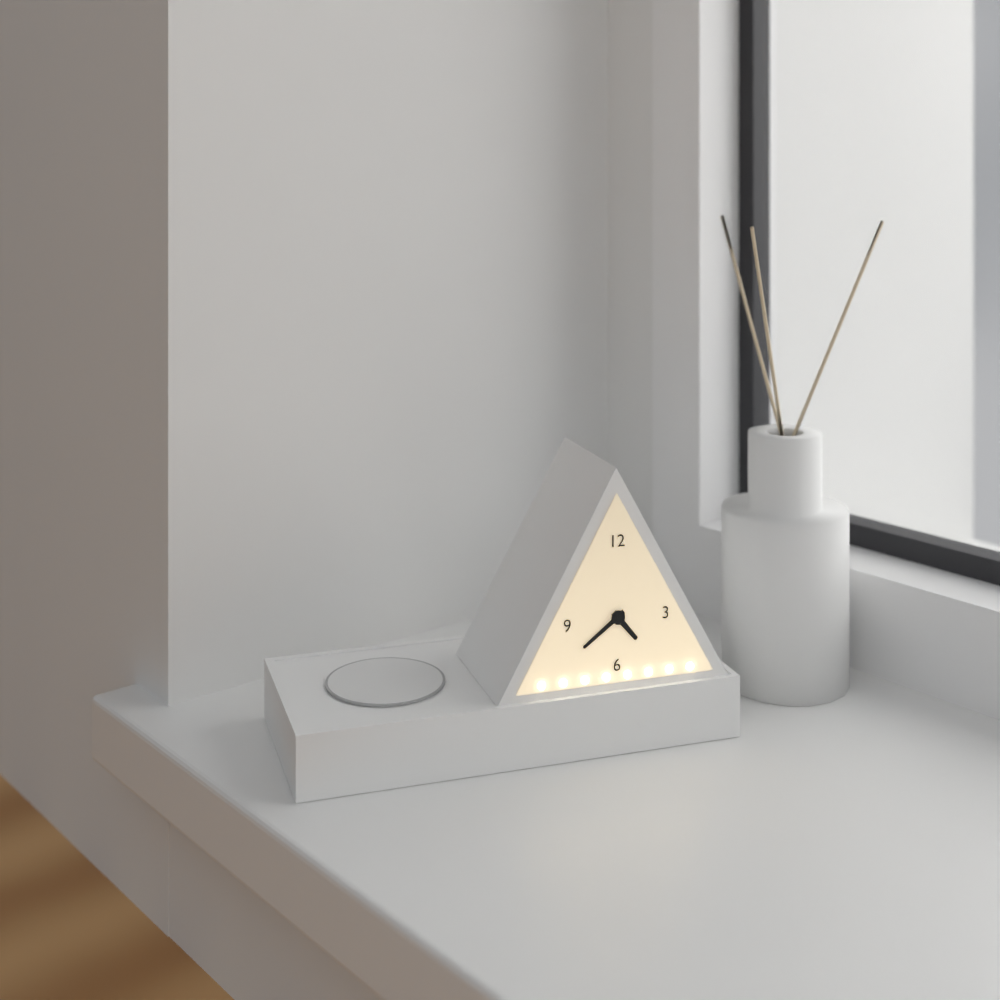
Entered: 4 h 39 min
